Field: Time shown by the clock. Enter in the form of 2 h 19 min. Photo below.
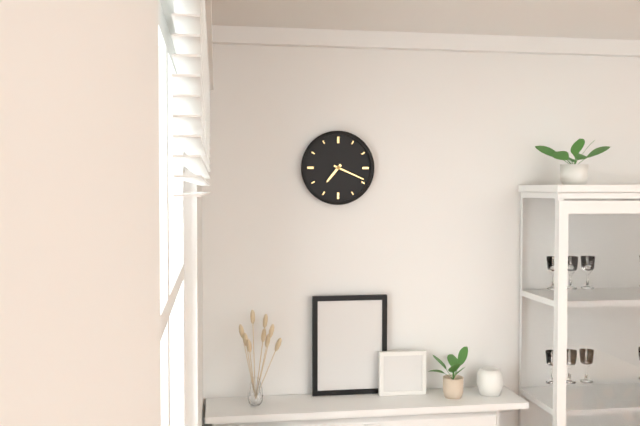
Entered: 7 h 19 min
